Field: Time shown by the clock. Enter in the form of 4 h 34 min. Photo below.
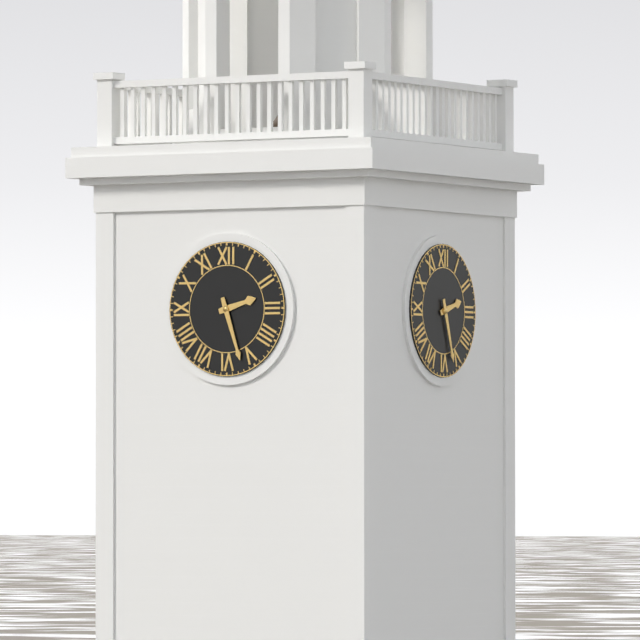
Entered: 2 h 27 min
